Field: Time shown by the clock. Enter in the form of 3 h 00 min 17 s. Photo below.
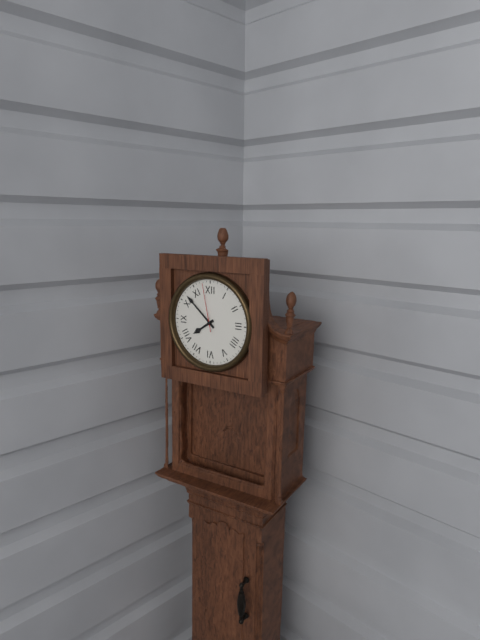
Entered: 7 h 52 min 58 s
